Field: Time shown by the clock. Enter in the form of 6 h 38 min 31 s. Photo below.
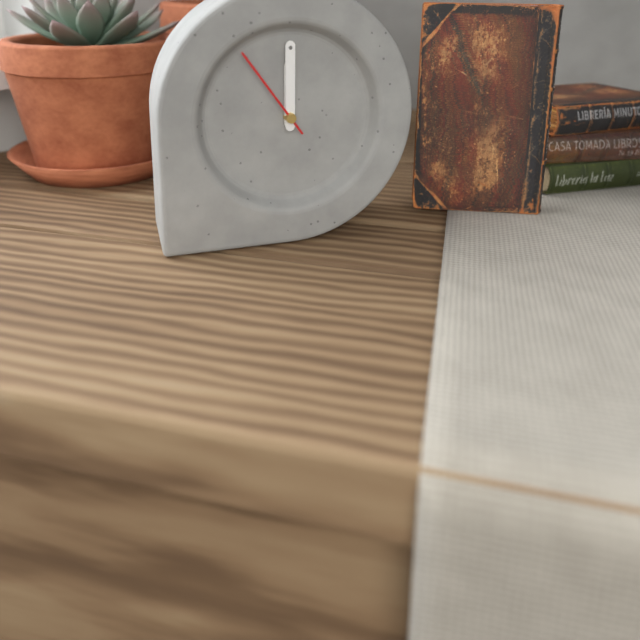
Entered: 12 h 00 min 54 s
